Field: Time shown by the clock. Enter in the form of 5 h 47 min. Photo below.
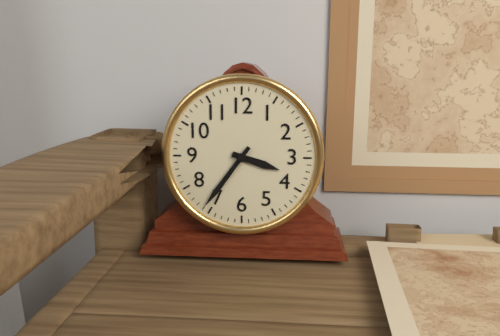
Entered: 3 h 36 min
